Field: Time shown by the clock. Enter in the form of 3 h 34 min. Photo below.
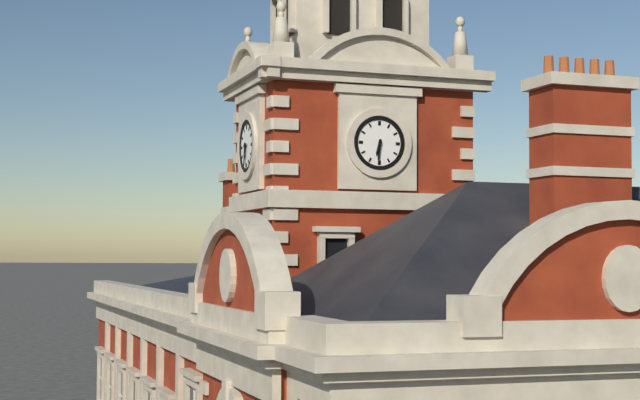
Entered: 6 h 31 min
